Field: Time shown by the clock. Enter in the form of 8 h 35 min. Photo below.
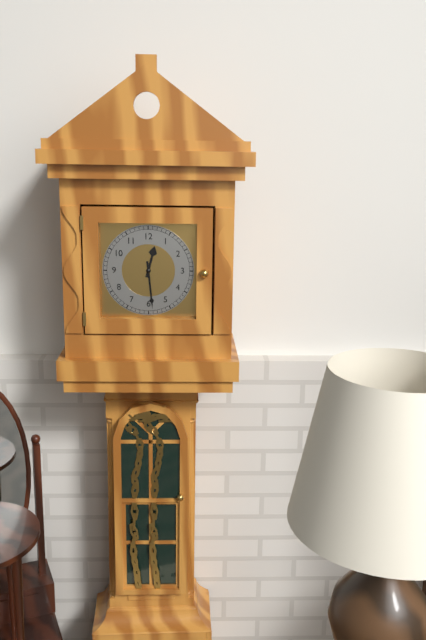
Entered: 12 h 29 min
